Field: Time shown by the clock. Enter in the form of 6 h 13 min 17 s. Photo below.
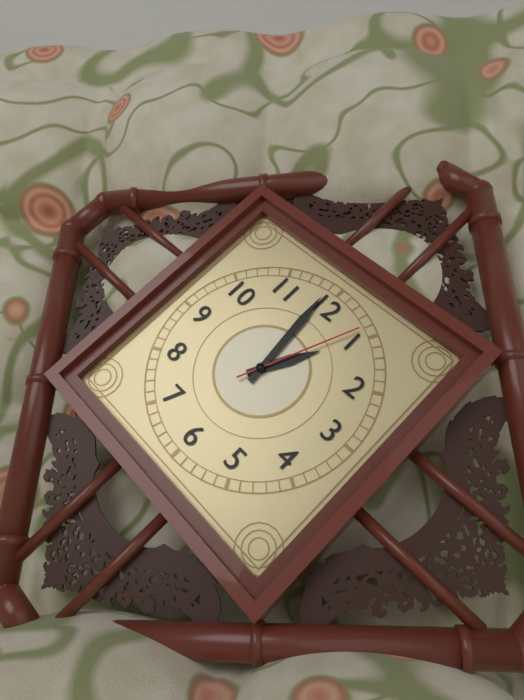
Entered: 12 h 59 min 04 s
